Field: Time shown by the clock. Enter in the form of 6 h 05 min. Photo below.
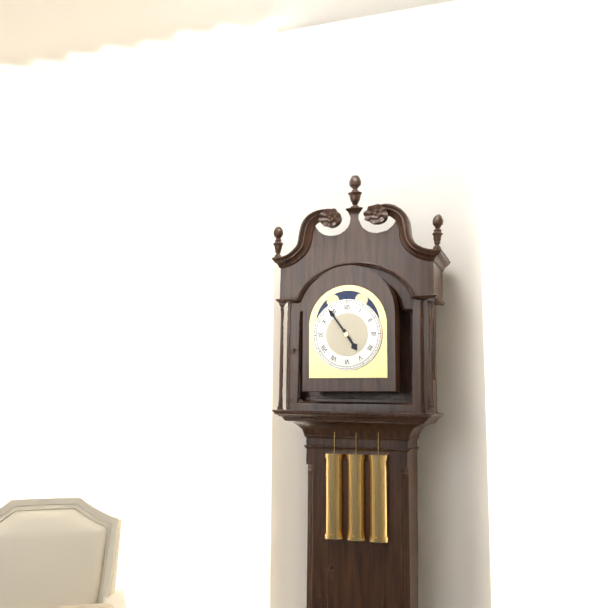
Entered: 4 h 54 min
